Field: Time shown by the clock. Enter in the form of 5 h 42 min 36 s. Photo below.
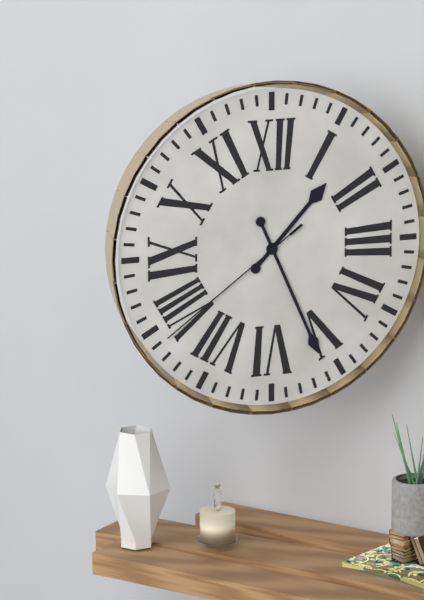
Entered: 1 h 26 min 39 s
